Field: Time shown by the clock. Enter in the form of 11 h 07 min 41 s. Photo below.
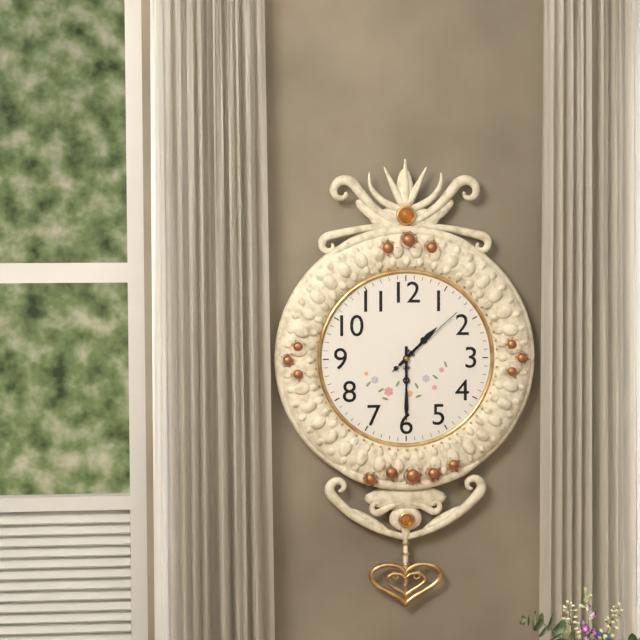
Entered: 1 h 30 min 08 s
